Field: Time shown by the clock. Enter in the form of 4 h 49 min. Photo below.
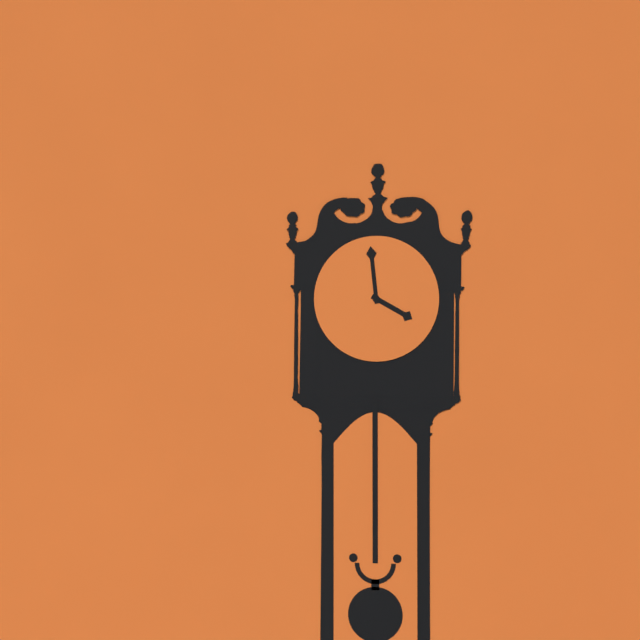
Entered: 3 h 59 min
